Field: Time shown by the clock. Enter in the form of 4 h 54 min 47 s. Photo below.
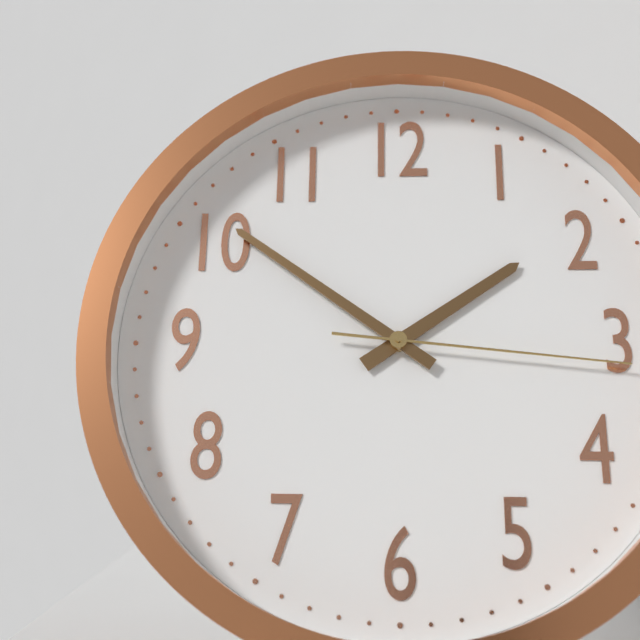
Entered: 1 h 51 min 16 s
